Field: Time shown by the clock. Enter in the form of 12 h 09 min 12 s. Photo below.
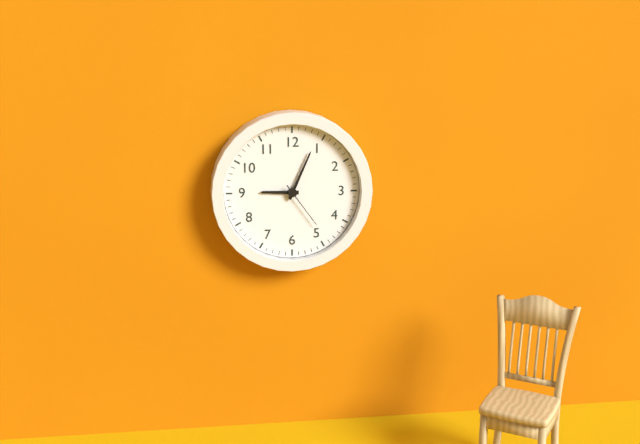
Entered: 9 h 04 min 24 s
